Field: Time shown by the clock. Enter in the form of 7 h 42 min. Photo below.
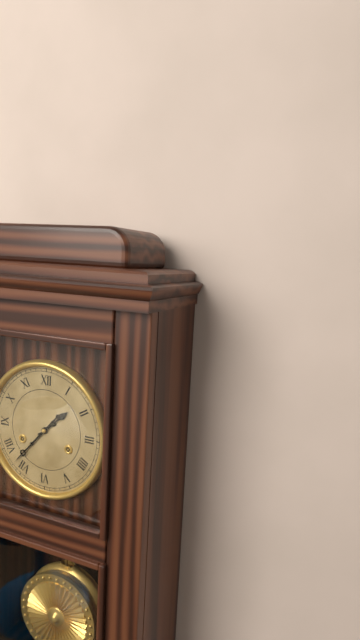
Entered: 1 h 37 min
